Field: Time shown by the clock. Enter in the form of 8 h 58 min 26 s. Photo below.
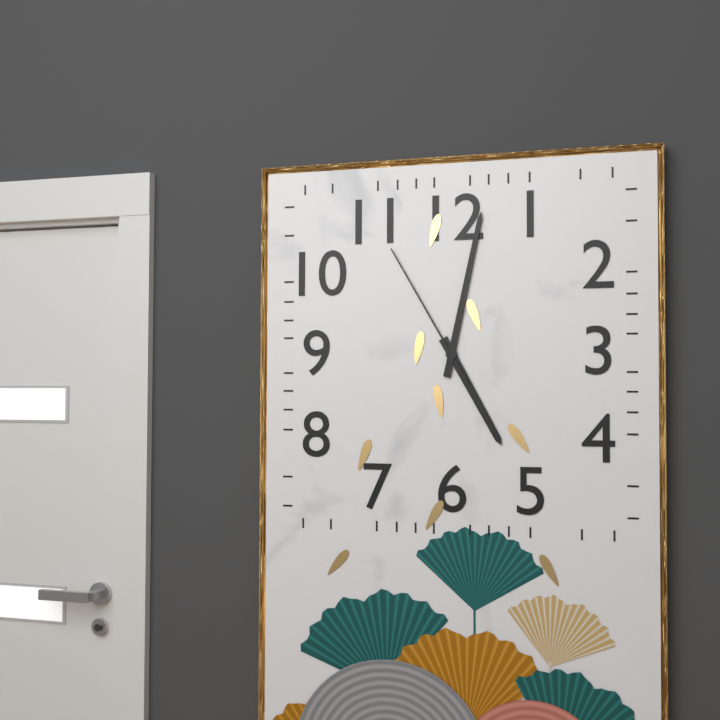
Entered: 5 h 02 min 55 s
